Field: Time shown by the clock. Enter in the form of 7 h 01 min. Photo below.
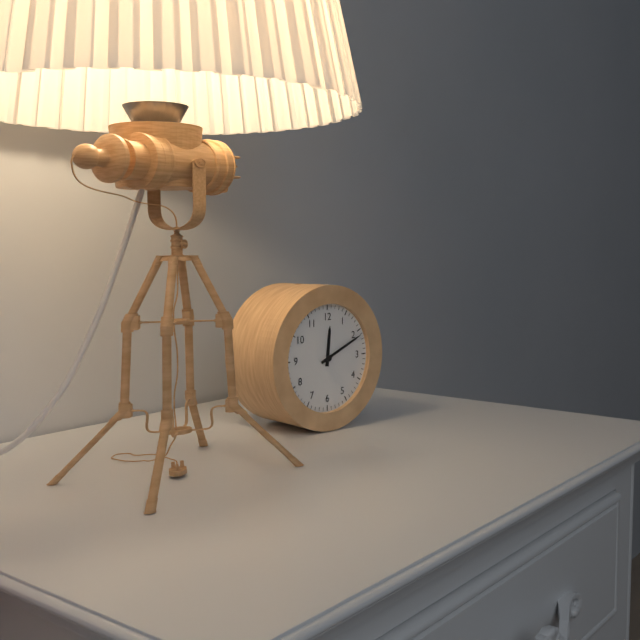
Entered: 12 h 11 min
